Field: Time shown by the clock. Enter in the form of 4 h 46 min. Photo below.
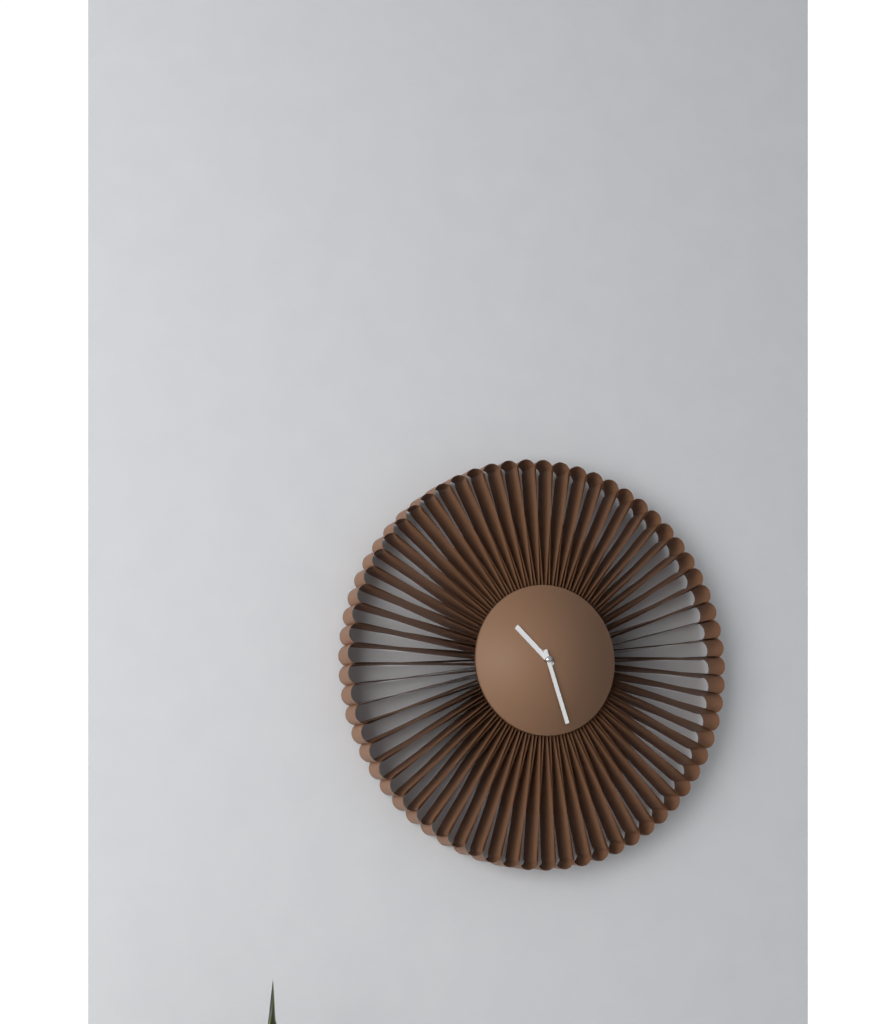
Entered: 10 h 27 min
